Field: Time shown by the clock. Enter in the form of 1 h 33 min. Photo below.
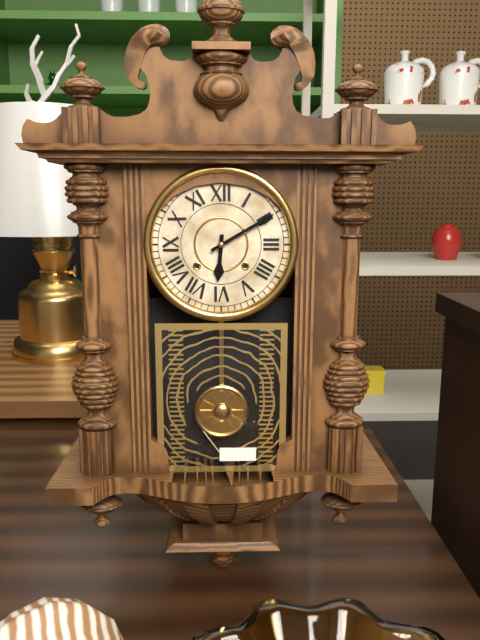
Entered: 6 h 10 min
